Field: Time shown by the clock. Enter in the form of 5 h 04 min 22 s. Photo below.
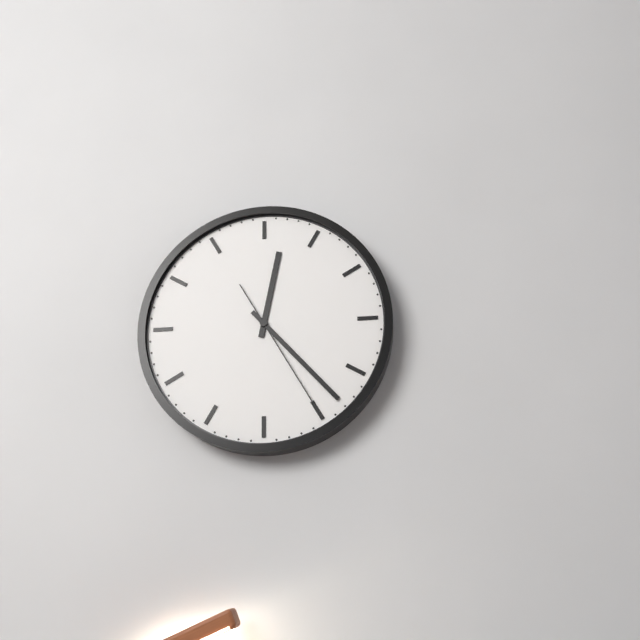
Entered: 12 h 23 min 25 s
